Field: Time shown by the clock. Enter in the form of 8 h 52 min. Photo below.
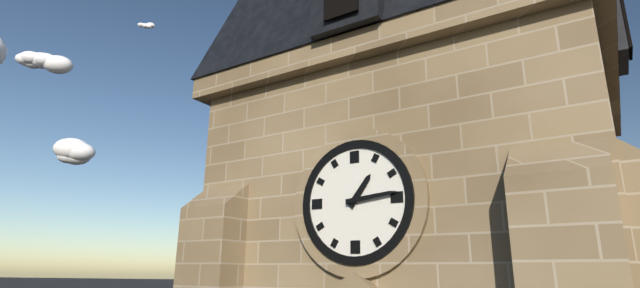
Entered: 1 h 14 min
